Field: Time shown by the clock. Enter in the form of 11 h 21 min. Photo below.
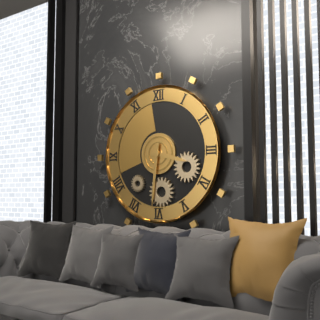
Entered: 3 h 31 min
